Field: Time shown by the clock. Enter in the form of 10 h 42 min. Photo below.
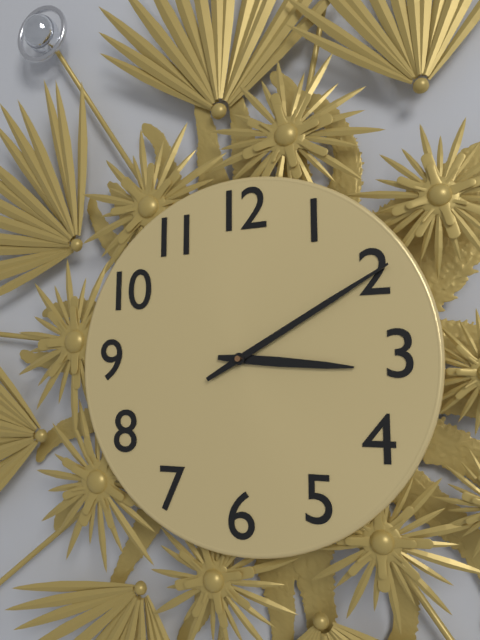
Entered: 3 h 10 min
